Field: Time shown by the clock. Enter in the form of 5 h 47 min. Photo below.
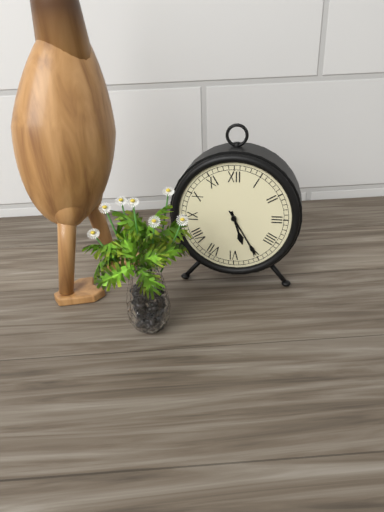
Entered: 5 h 25 min
